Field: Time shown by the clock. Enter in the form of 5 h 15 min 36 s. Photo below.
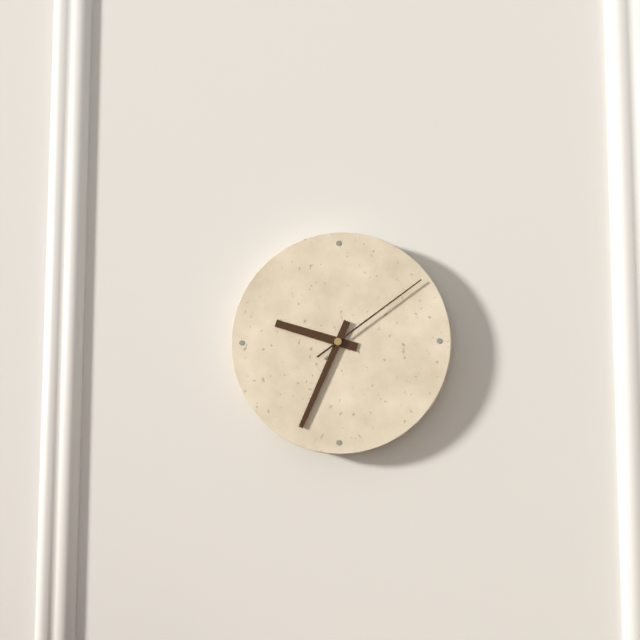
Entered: 9 h 34 min 09 s
